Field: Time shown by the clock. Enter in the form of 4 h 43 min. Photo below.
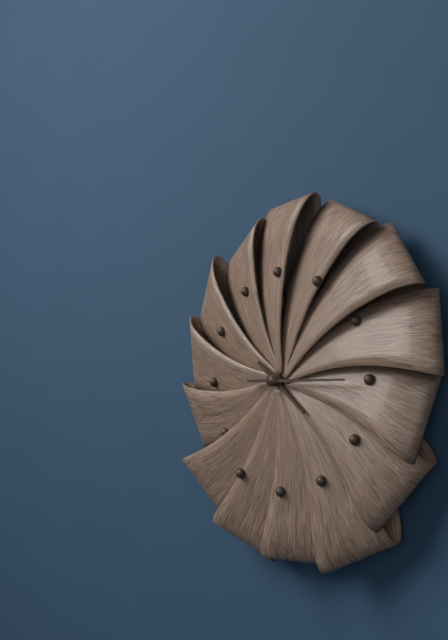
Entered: 4 h 15 min
